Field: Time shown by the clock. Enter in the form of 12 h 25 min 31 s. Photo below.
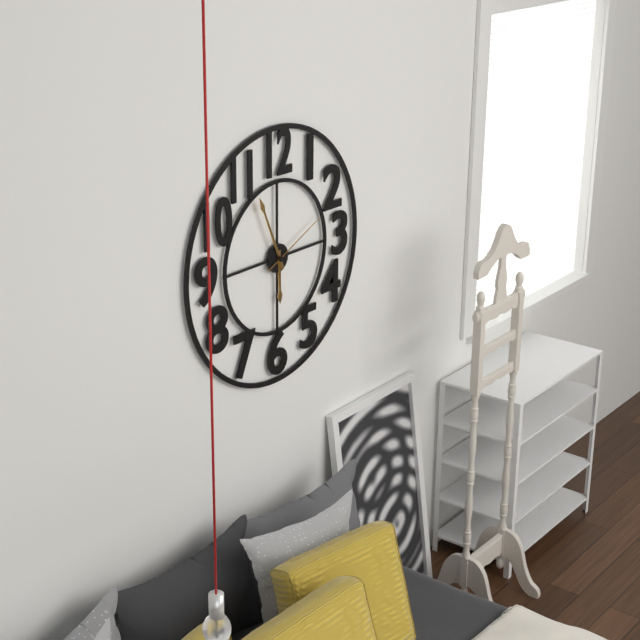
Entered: 5 h 56 min 11 s
